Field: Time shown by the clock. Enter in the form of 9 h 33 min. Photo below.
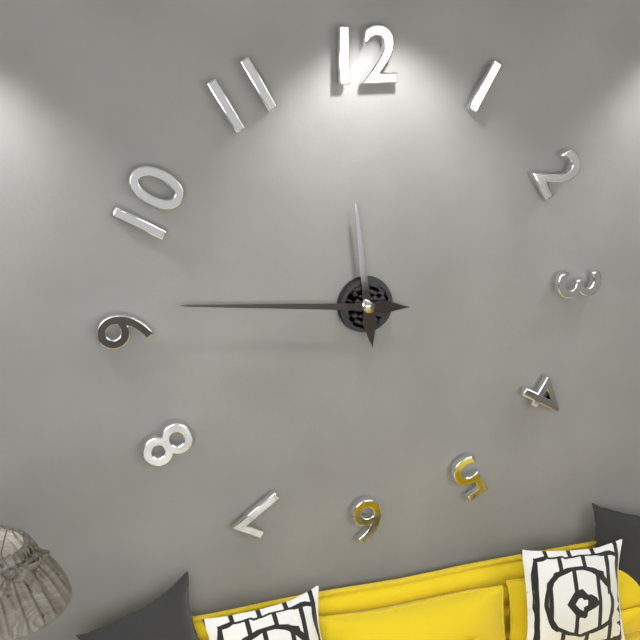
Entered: 11 h 46 min
